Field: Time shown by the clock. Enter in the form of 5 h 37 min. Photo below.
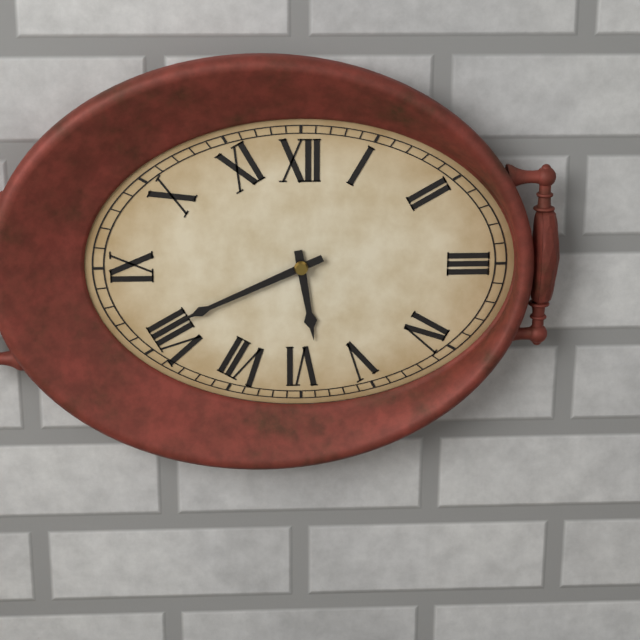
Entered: 5 h 41 min
